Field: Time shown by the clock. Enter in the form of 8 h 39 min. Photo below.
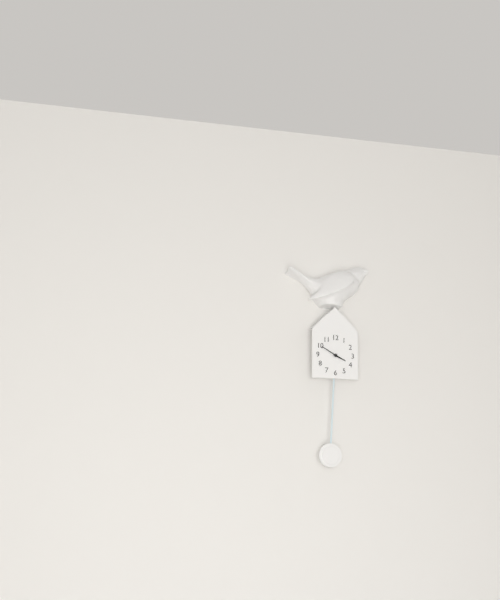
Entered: 3 h 50 min
